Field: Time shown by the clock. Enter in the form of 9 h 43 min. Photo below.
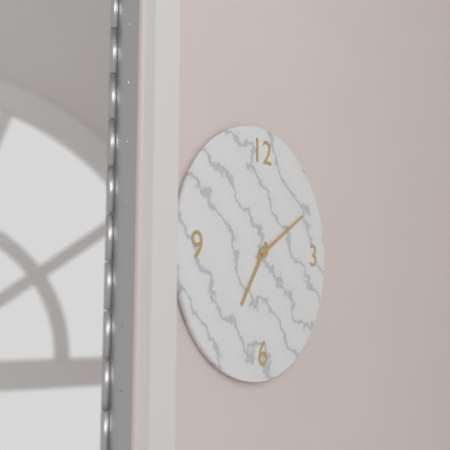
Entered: 7 h 10 min
